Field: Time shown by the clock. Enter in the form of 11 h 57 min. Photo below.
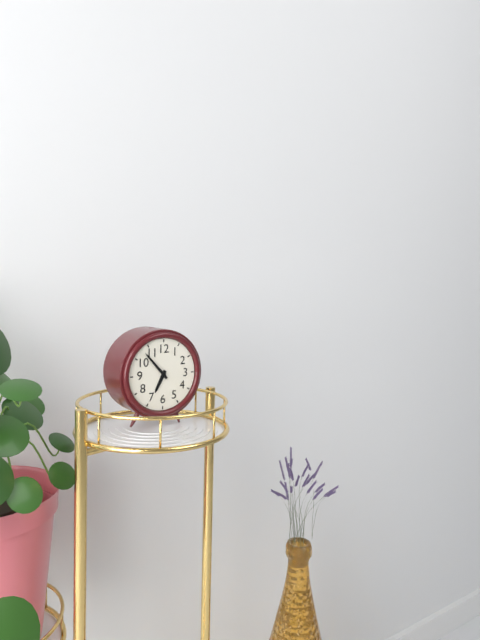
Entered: 6 h 53 min
